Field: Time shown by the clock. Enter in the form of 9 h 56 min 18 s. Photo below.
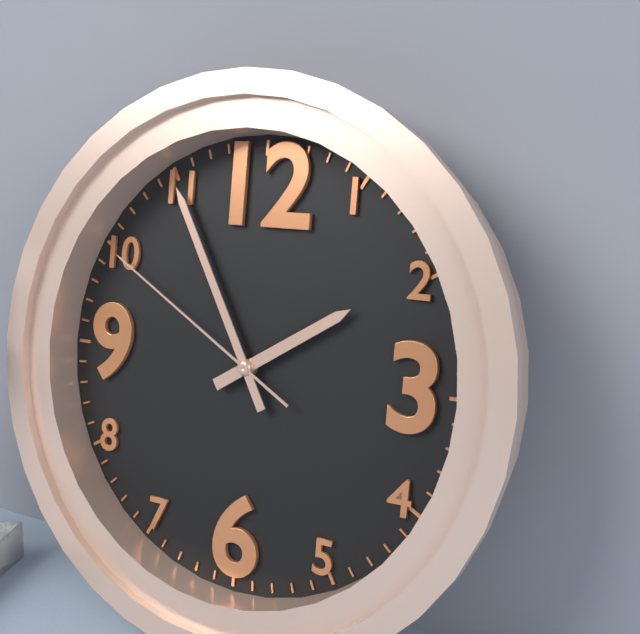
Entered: 1 h 55 min 50 s
